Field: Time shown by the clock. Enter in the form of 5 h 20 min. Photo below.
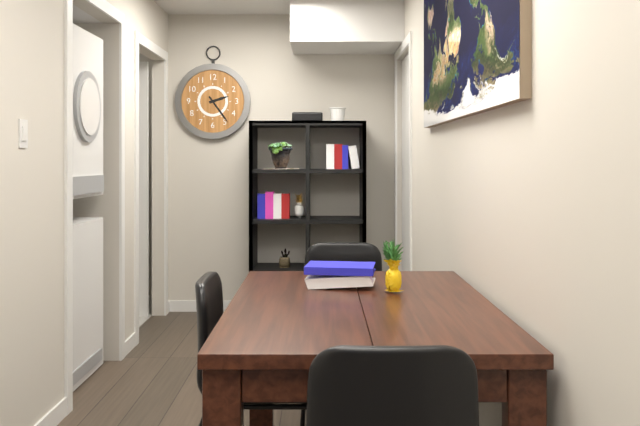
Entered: 2 h 24 min
